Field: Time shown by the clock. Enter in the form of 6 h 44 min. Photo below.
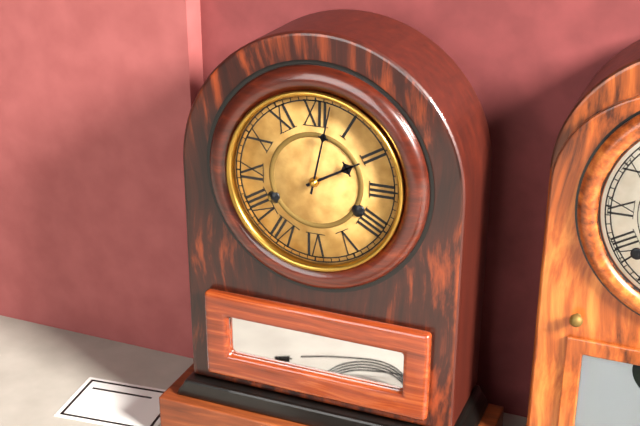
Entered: 2 h 02 min
